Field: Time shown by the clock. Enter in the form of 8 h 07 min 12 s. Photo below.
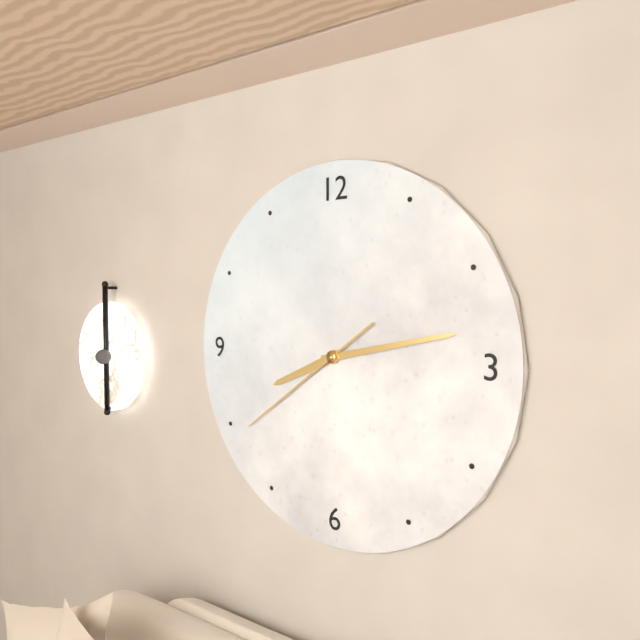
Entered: 8 h 13 min 39 s
